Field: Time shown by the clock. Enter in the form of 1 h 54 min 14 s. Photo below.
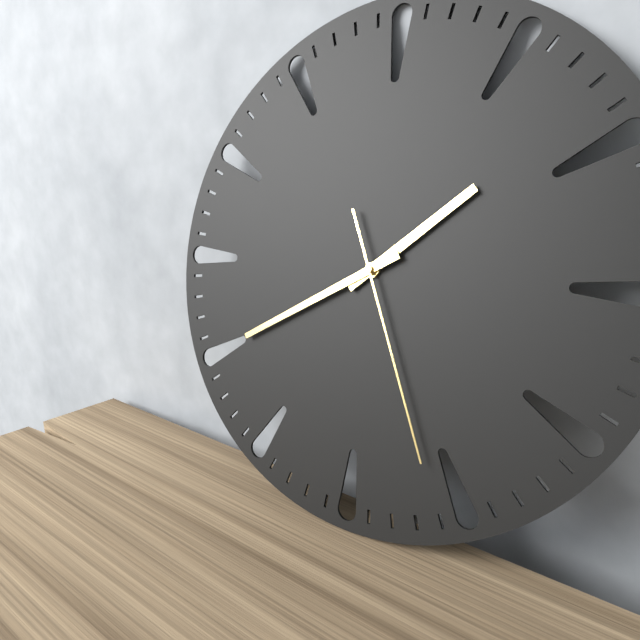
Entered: 1 h 40 min 26 s
